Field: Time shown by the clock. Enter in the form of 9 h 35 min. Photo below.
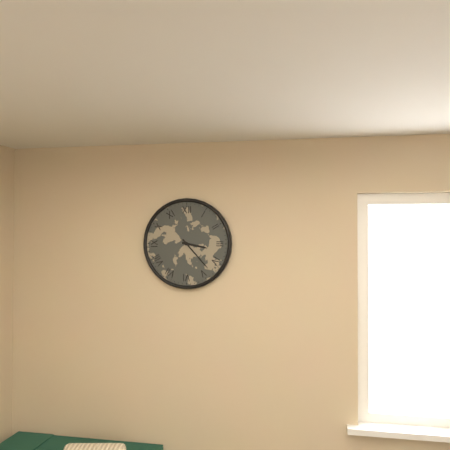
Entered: 3 h 23 min
